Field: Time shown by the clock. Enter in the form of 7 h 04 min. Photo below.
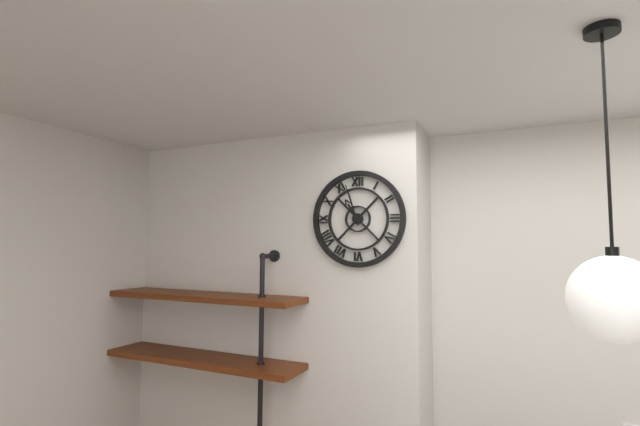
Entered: 10 h 57 min
